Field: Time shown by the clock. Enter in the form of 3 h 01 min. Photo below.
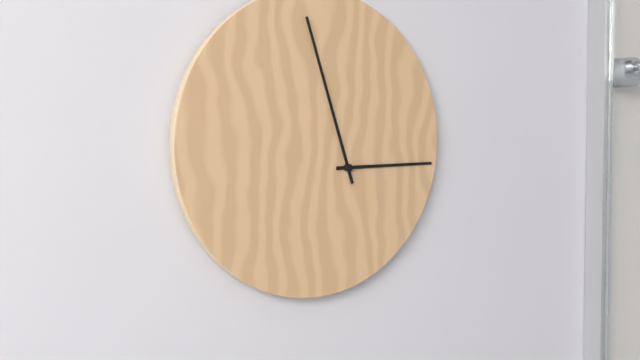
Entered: 2 h 57 min
